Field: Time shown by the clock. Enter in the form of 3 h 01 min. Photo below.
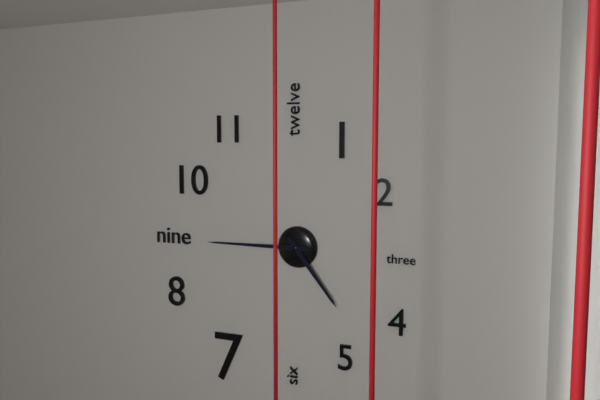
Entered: 4 h 45 min
